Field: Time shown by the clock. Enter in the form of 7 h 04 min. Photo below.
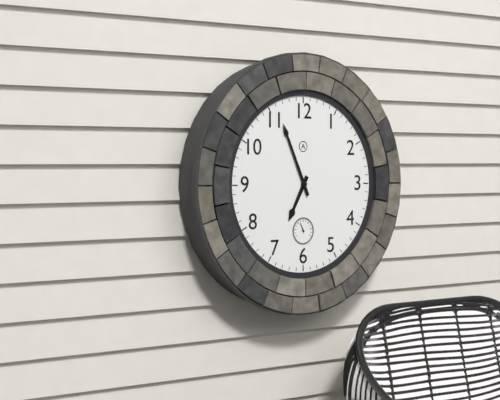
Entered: 6 h 56 min
